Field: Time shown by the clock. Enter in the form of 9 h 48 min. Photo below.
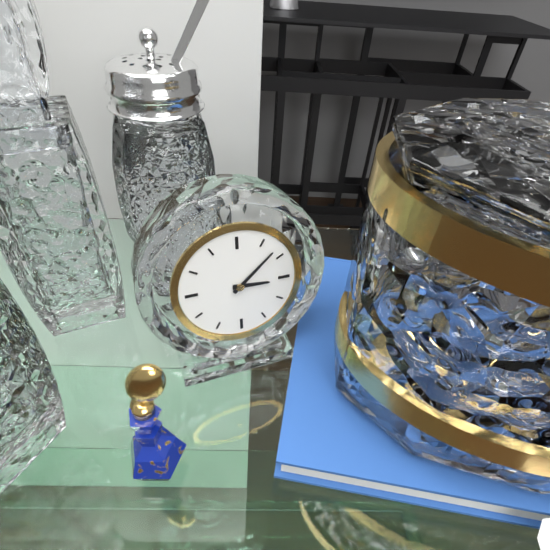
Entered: 3 h 08 min
